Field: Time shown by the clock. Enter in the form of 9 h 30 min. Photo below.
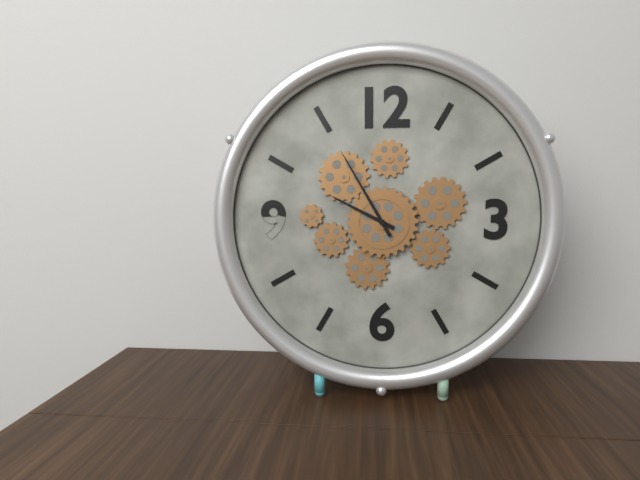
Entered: 9 h 55 min
